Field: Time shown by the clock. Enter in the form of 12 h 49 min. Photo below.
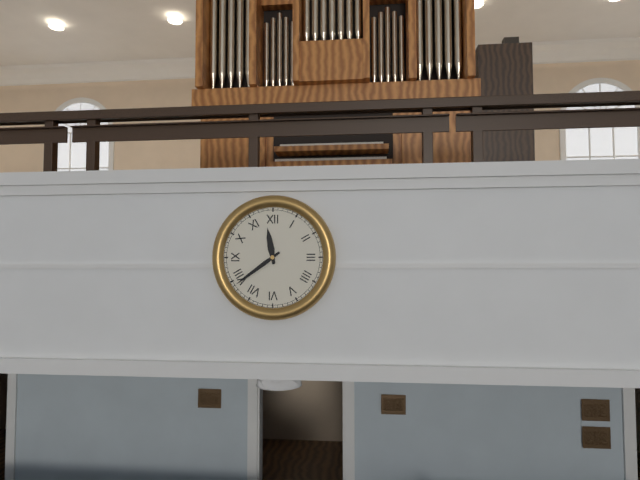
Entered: 11 h 39 min
